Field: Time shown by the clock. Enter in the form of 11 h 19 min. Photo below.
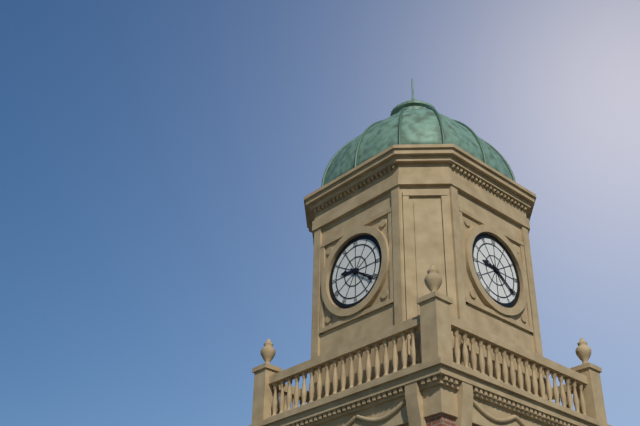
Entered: 9 h 21 min
